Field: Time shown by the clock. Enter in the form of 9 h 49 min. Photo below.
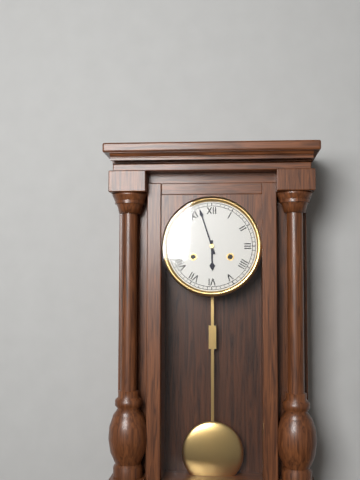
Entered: 5 h 57 min
